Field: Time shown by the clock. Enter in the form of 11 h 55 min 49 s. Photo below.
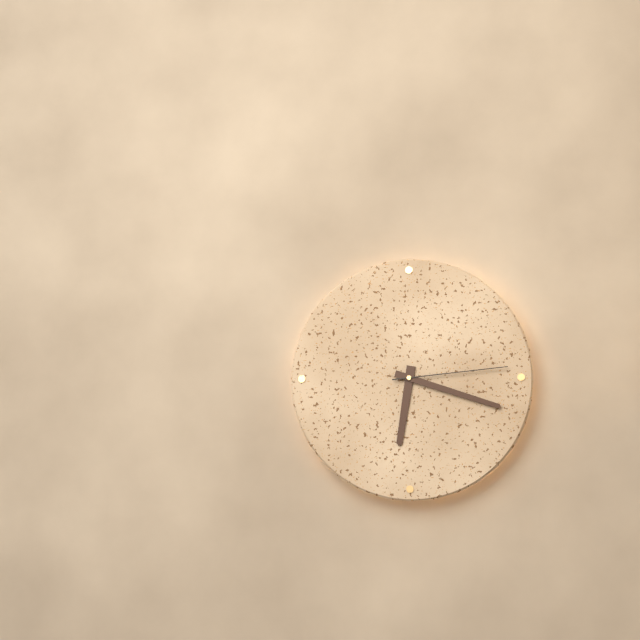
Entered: 6 h 18 min 14 s
